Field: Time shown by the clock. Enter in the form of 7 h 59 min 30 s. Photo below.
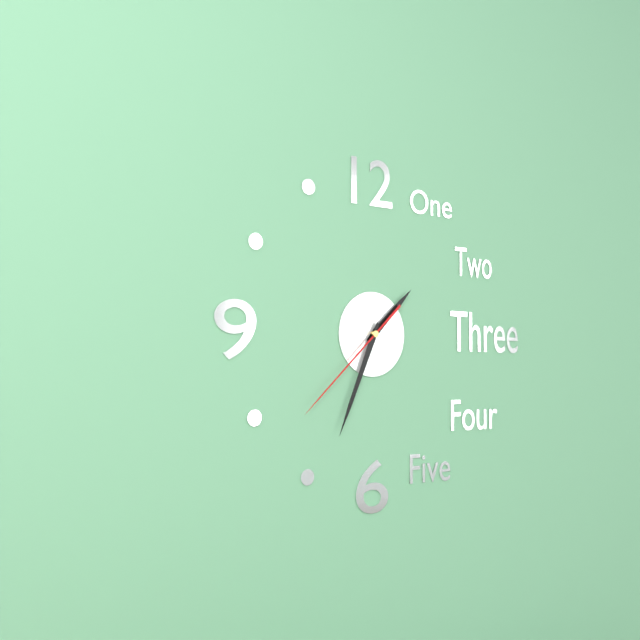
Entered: 1 h 34 min 38 s
